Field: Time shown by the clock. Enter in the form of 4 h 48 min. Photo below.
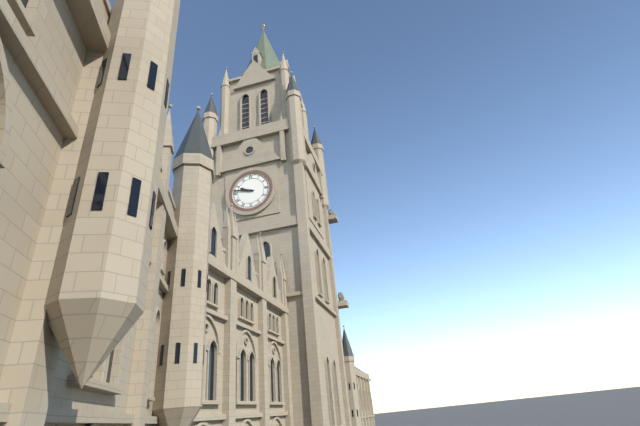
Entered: 9 h 47 min
